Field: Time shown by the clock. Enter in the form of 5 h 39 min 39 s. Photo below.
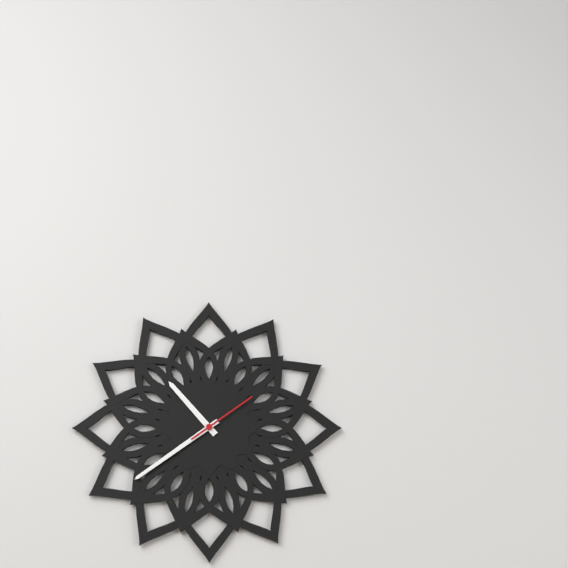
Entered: 10 h 39 min 09 s
